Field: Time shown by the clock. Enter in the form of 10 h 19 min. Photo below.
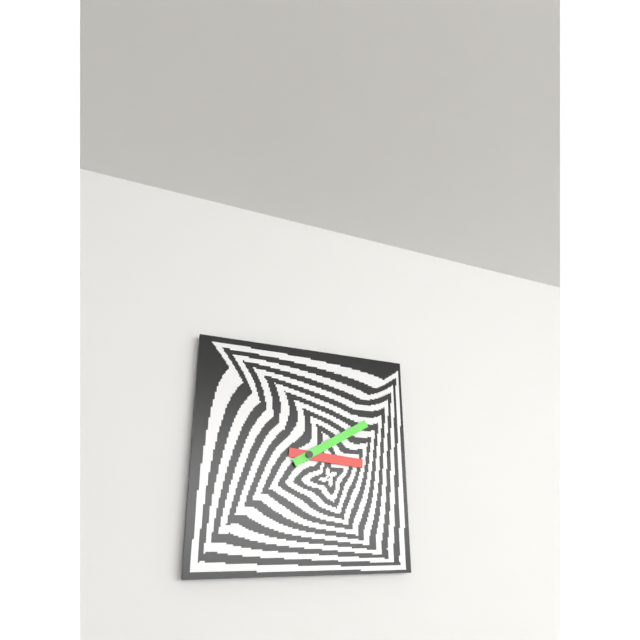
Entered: 3 h 10 min
